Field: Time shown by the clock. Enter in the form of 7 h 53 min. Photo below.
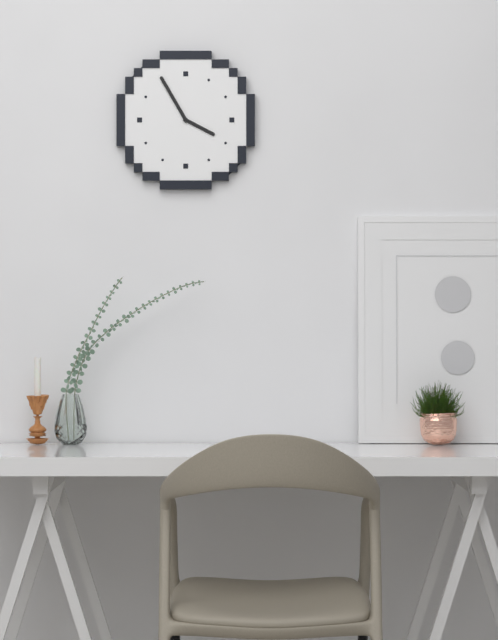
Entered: 3 h 55 min
